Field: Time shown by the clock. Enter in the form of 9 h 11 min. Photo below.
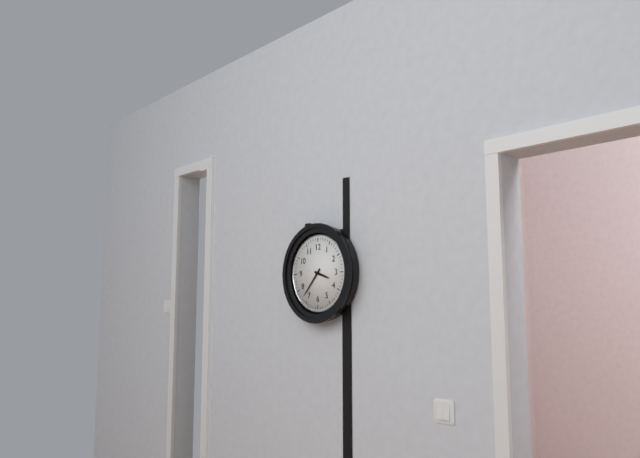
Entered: 3 h 37 min
